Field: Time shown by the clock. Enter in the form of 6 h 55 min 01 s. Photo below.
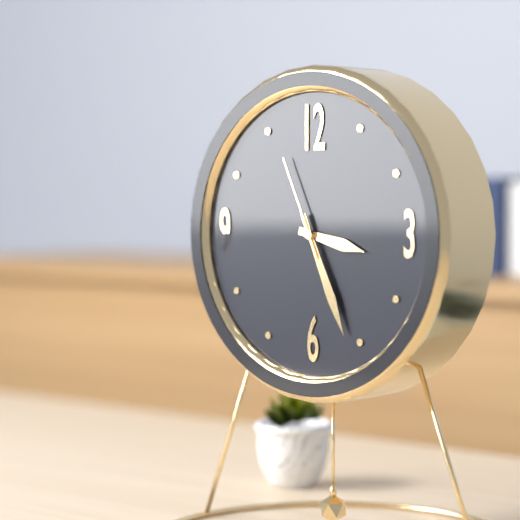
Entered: 3 h 26 min 56 s
